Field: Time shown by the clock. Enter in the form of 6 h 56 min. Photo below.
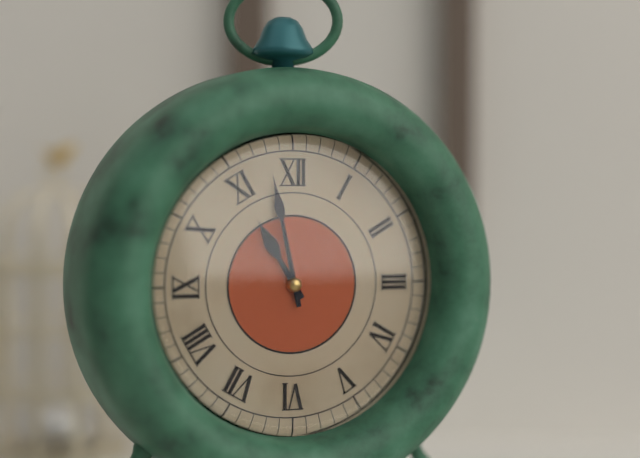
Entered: 10 h 58 min
